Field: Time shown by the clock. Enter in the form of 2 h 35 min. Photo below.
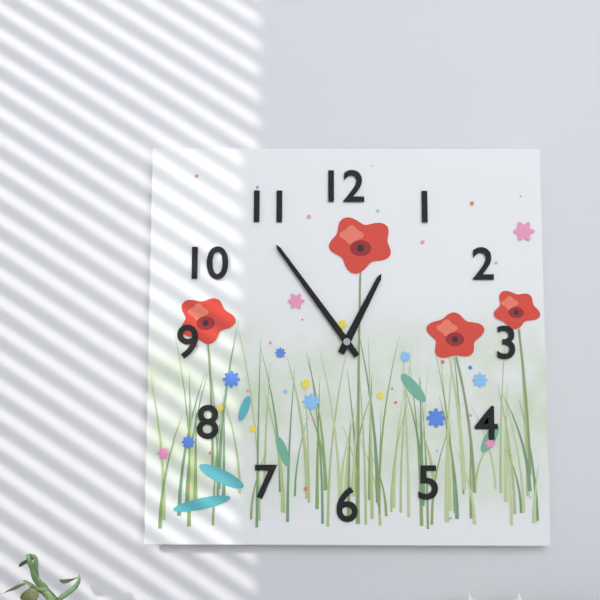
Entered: 12 h 54 min
